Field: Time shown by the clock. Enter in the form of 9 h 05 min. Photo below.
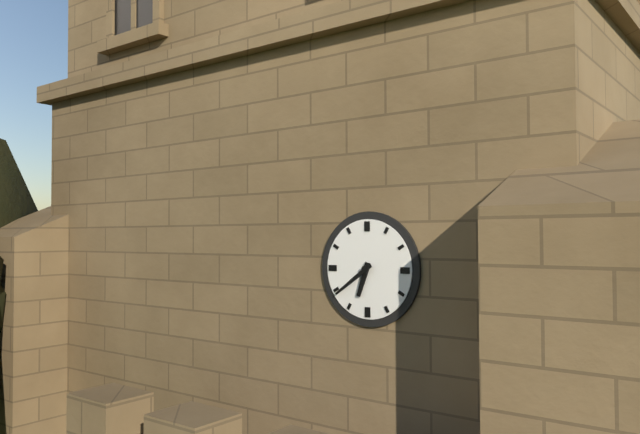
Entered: 6 h 39 min
